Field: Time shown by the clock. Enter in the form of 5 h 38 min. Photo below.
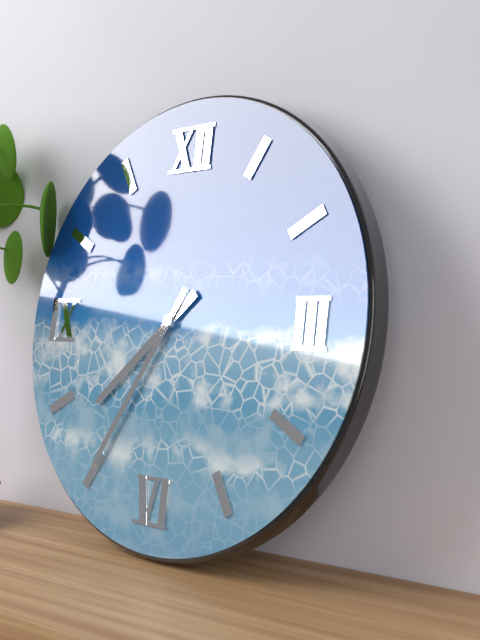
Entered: 7 h 35 min
